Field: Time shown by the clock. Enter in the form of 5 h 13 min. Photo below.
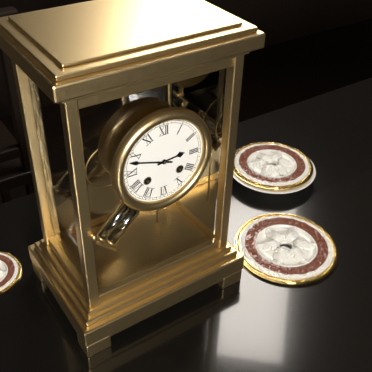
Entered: 2 h 48 min
